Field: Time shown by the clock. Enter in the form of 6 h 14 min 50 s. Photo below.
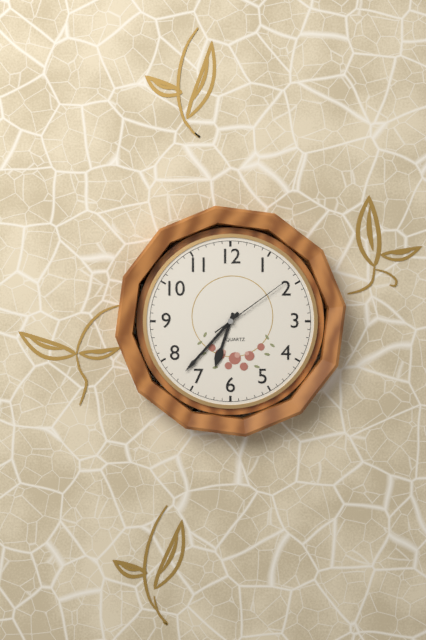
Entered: 6 h 37 min 09 s
